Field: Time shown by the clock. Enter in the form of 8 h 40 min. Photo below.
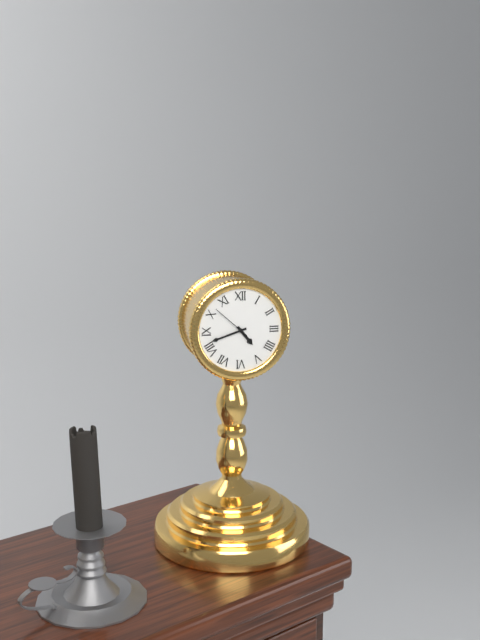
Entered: 4 h 42 min
